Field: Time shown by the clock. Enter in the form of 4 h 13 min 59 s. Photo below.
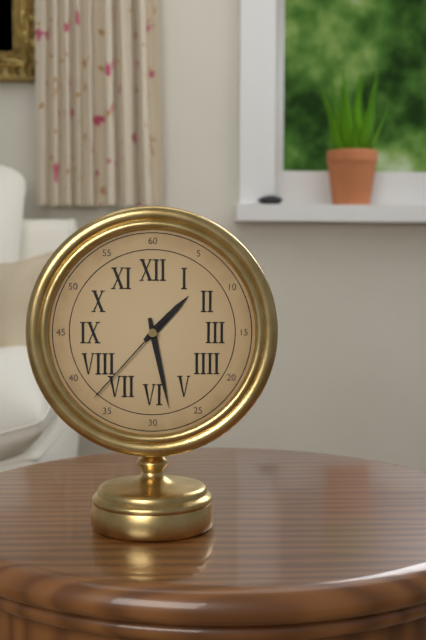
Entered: 1 h 28 min 37 s
